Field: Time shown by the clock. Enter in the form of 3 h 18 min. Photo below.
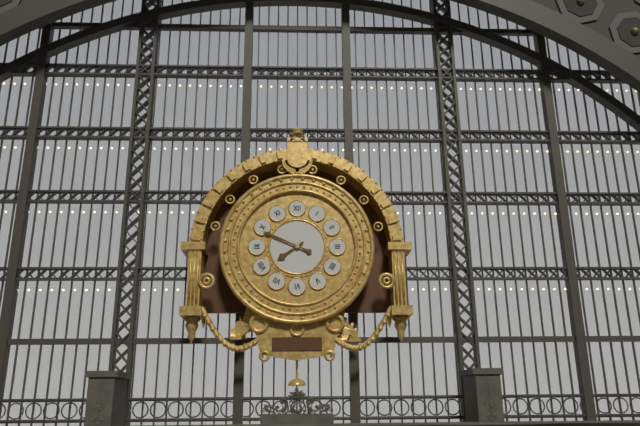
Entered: 7 h 49 min
